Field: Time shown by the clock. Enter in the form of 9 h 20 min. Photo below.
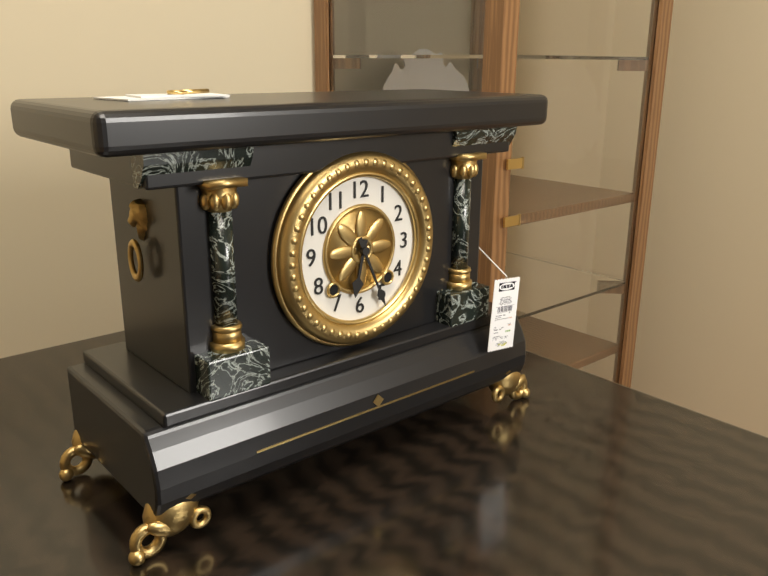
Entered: 6 h 26 min
